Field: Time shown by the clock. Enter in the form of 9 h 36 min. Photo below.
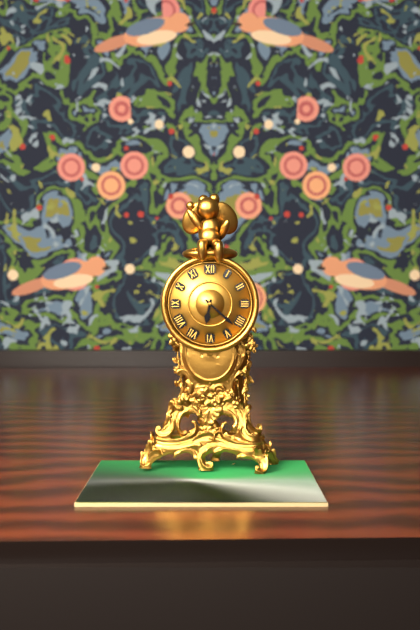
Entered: 6 h 22 min
